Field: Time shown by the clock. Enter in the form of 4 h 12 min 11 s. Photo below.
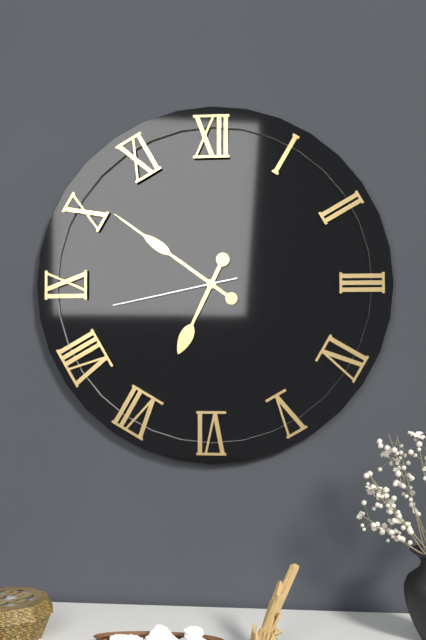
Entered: 6 h 51 min 43 s
